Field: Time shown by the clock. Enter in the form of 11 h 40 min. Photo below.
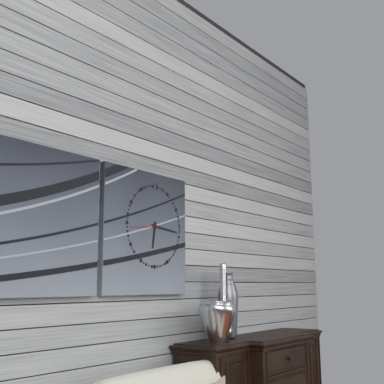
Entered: 6 h 16 min
